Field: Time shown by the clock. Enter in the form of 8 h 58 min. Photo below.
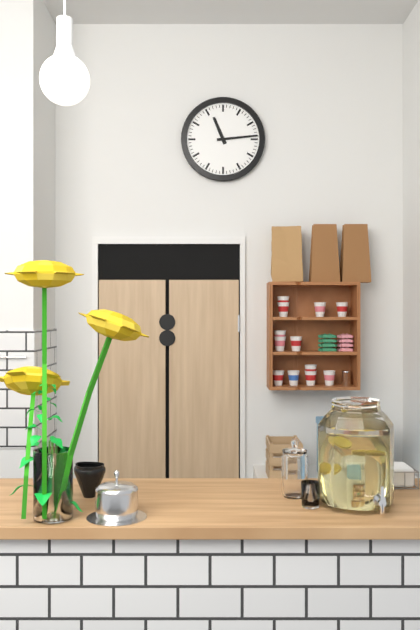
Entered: 11 h 14 min
